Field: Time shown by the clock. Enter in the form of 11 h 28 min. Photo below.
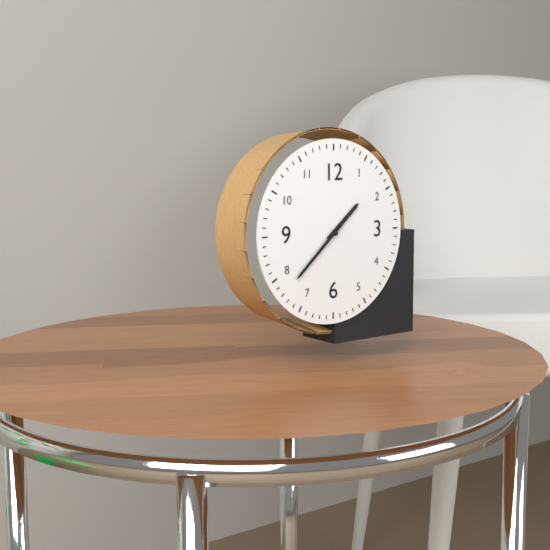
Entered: 1 h 38 min
